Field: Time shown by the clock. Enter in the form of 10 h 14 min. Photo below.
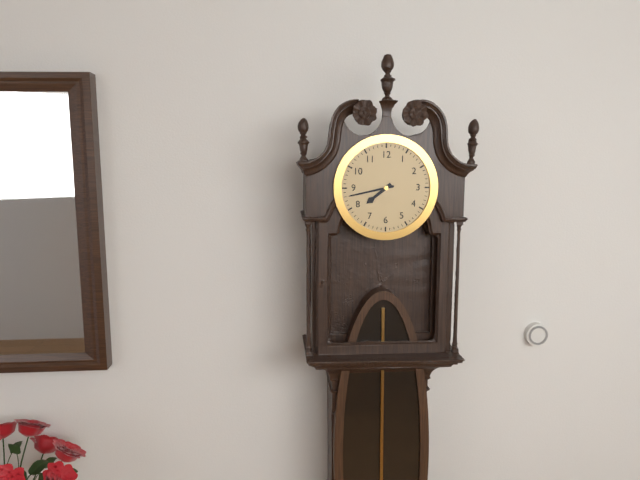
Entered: 7 h 43 min
